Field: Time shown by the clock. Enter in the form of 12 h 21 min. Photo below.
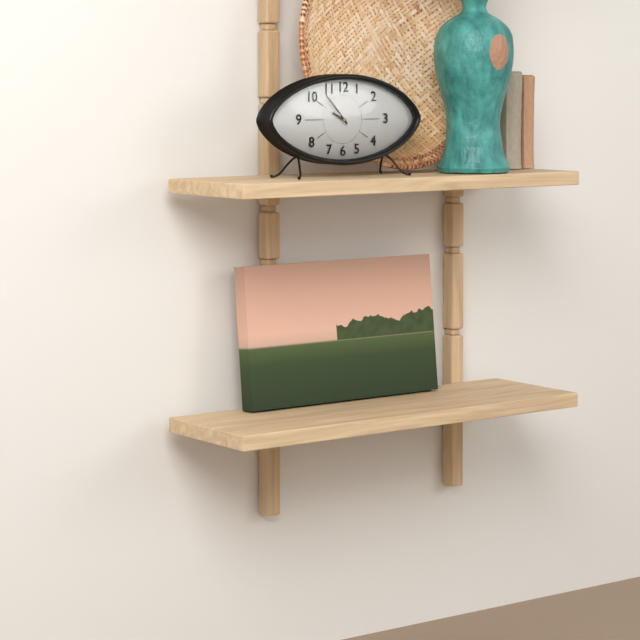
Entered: 9 h 53 min
